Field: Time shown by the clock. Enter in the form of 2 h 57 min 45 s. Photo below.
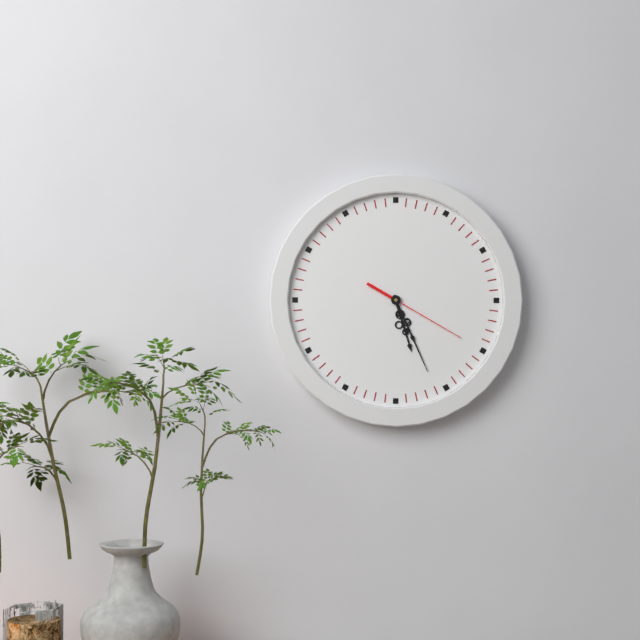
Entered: 5 h 26 min 20 s
